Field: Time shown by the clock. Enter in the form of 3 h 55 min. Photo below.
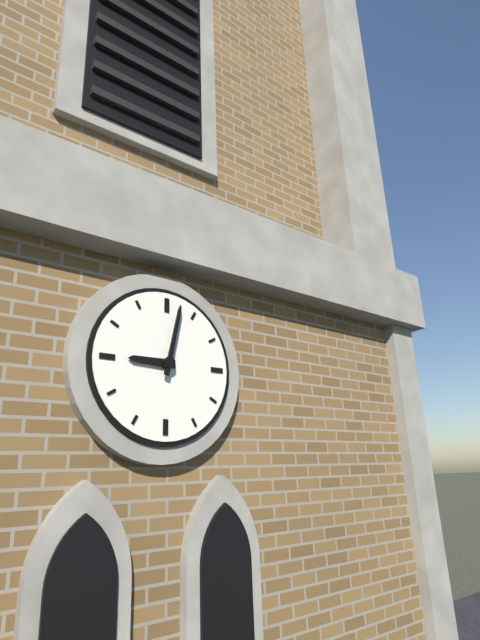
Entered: 9 h 02 min
